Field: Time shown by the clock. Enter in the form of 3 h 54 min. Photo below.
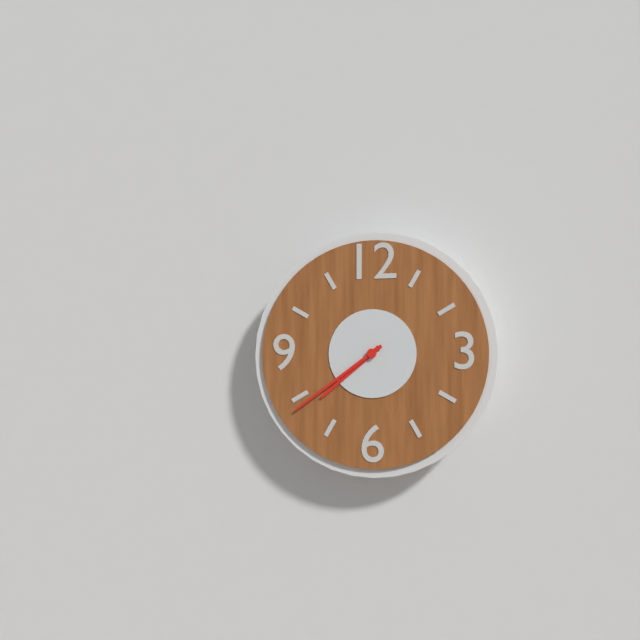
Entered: 7 h 39 min
